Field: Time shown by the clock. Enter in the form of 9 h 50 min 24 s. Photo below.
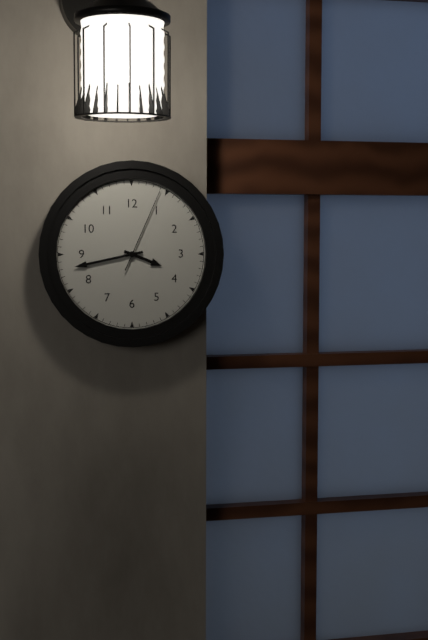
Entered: 3 h 43 min 04 s
